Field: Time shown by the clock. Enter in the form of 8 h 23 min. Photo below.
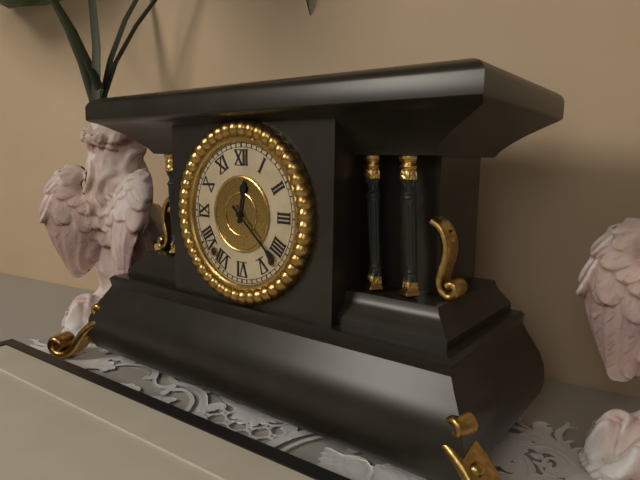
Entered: 12 h 22 min
